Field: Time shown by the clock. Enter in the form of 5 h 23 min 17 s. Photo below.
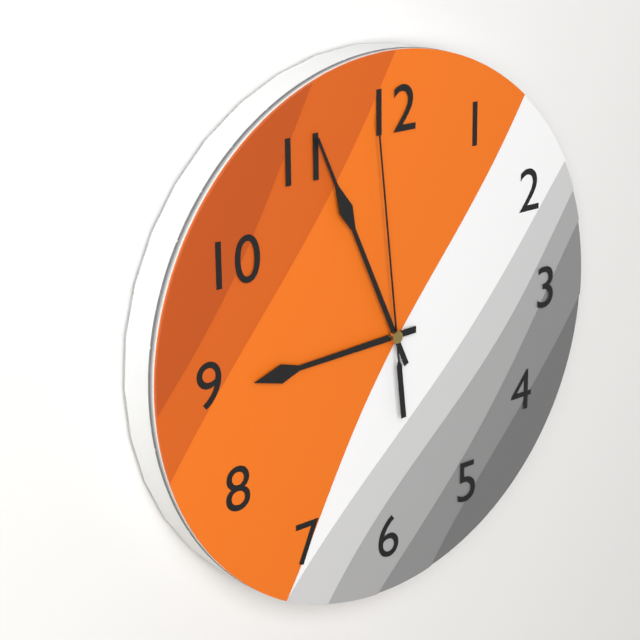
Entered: 8 h 56 min 59 s
